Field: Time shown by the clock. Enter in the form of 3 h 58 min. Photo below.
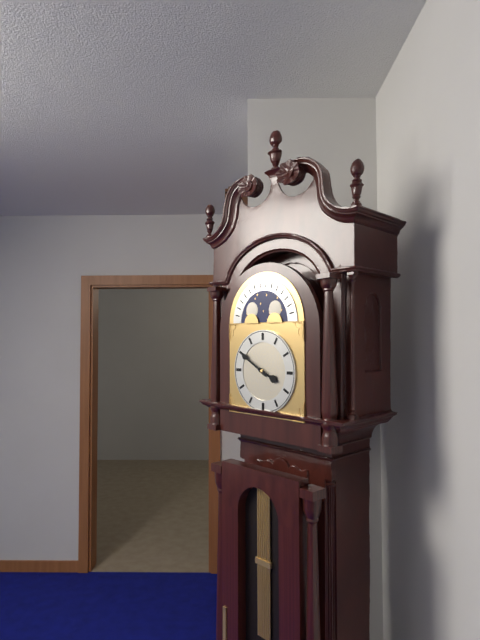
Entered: 3 h 50 min
